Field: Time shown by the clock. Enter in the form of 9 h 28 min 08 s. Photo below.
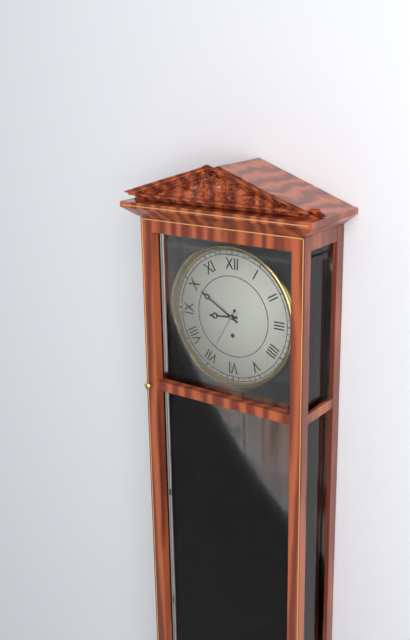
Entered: 8 h 50 min 35 s
